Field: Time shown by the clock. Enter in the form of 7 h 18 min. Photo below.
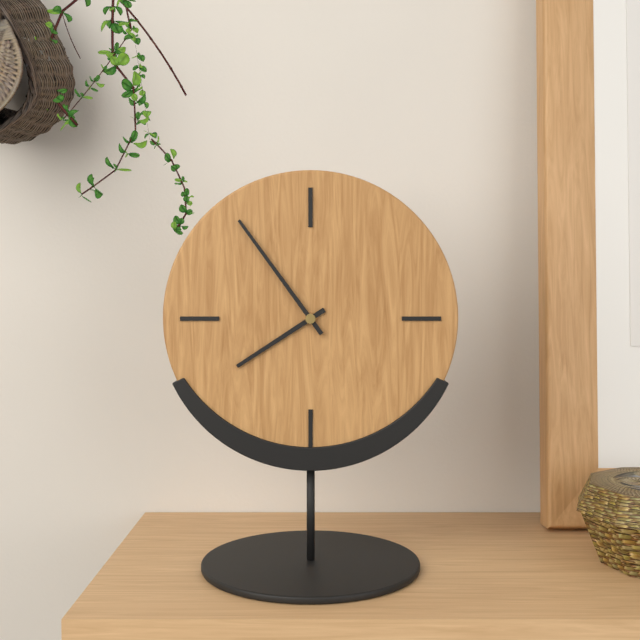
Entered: 7 h 54 min
